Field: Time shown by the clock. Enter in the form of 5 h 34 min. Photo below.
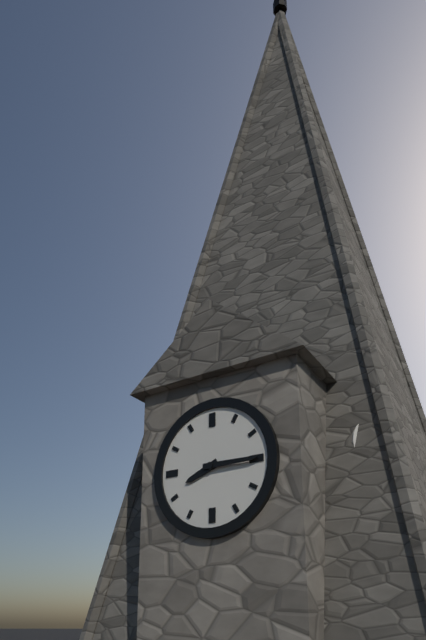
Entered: 8 h 15 min
